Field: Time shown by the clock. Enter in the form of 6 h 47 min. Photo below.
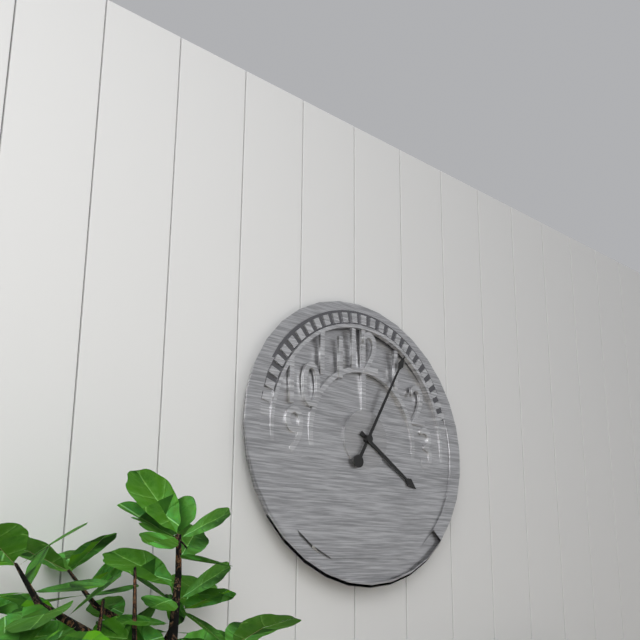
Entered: 4 h 05 min
